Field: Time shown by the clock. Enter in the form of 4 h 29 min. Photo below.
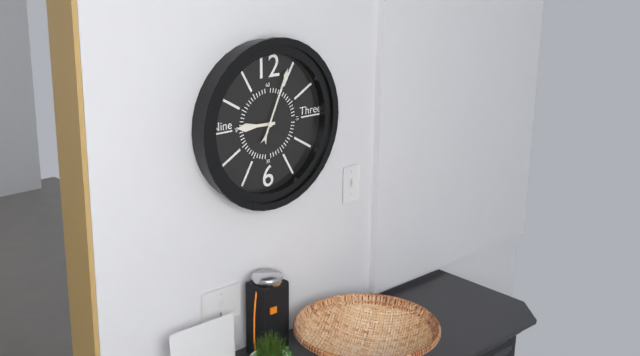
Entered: 9 h 04 min
